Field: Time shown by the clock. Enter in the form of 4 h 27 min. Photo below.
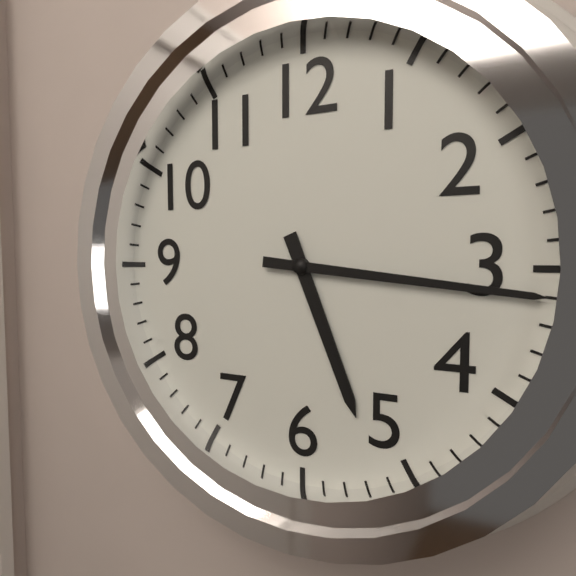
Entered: 5 h 16 min
